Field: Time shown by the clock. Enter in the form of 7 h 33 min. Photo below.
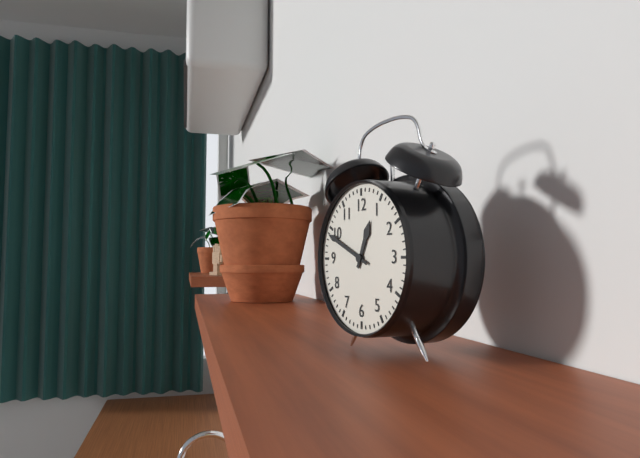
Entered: 12 h 49 min
